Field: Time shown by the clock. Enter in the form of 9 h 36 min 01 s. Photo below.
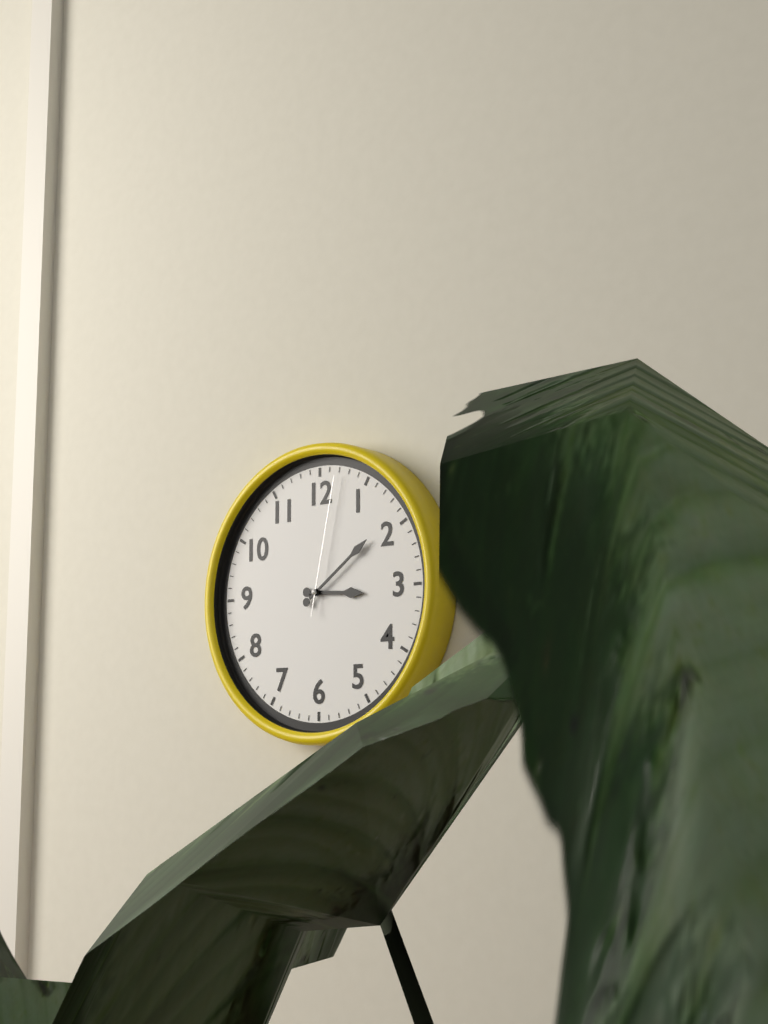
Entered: 3 h 09 min 02 s
